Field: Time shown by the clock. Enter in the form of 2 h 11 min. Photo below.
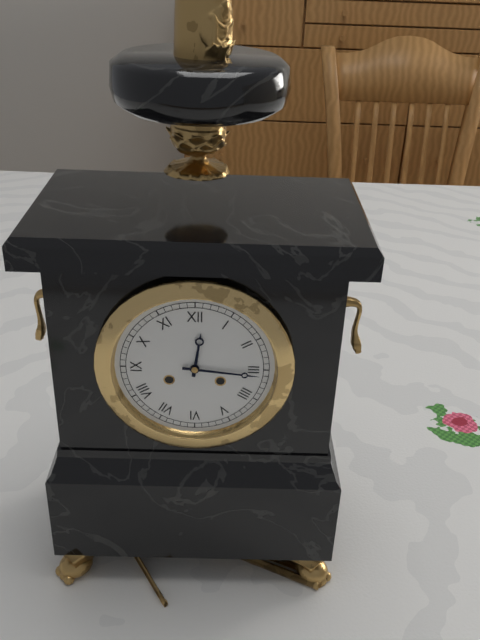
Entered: 12 h 16 min
